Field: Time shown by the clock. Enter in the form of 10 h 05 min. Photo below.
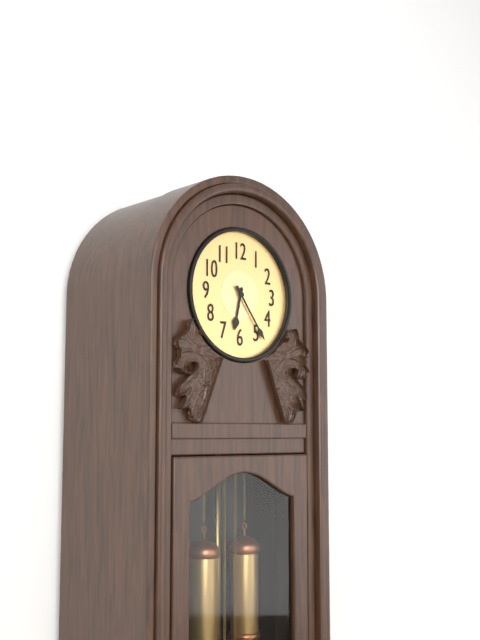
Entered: 6 h 24 min
